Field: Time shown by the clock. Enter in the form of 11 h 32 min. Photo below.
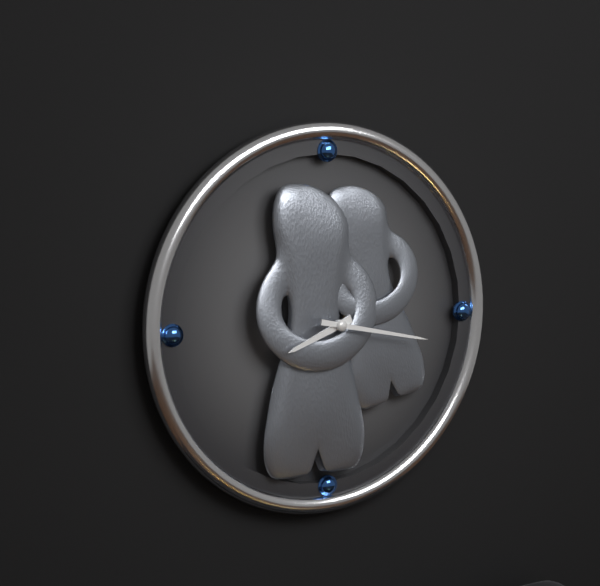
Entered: 8 h 17 min
